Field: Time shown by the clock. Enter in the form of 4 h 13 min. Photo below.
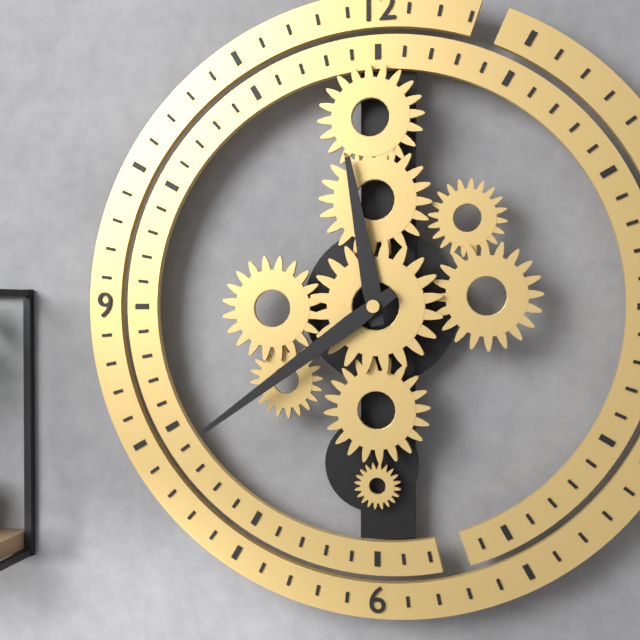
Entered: 11 h 39 min
